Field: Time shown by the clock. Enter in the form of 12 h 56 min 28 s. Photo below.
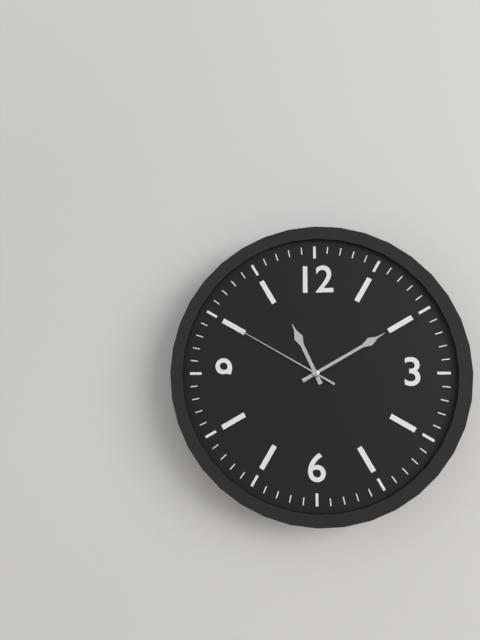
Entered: 11 h 10 min 50 s
